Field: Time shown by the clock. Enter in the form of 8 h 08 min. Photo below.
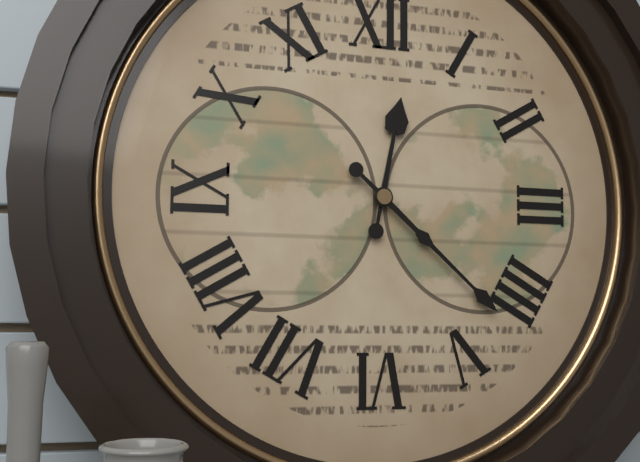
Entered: 12 h 22 min
